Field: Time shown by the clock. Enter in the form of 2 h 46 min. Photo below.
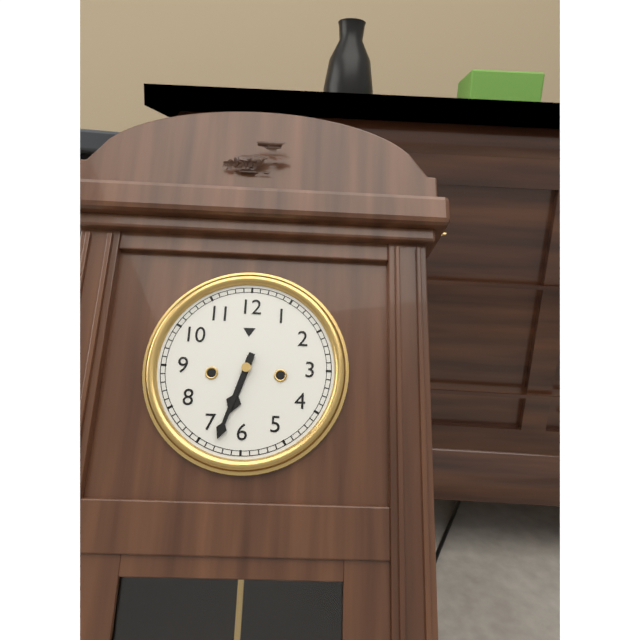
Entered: 6 h 33 min
